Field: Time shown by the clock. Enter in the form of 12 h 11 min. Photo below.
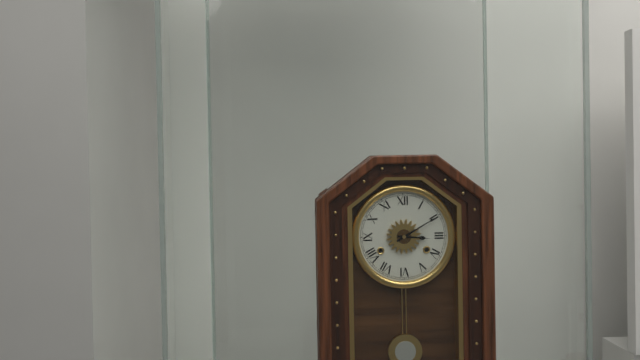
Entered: 3 h 10 min
